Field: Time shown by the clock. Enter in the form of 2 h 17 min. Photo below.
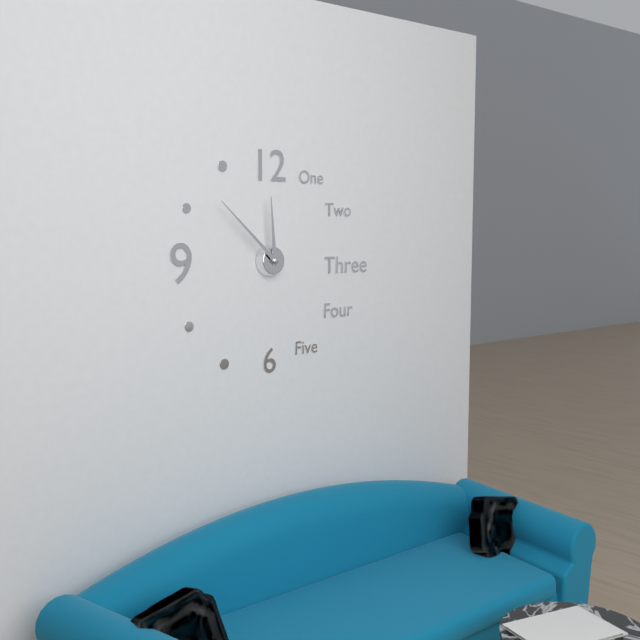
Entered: 11 h 52 min
